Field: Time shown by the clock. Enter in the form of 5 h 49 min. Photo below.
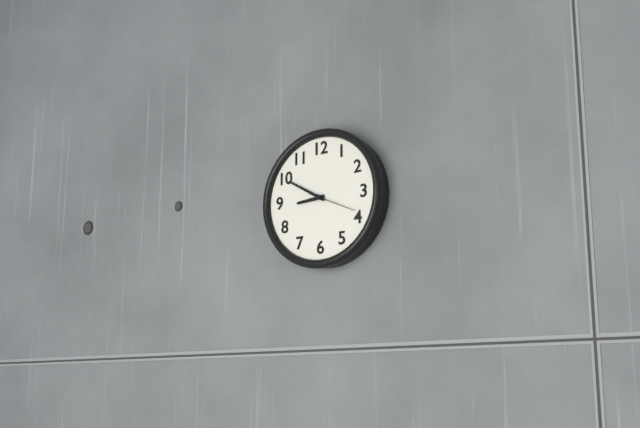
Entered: 8 h 50 min
